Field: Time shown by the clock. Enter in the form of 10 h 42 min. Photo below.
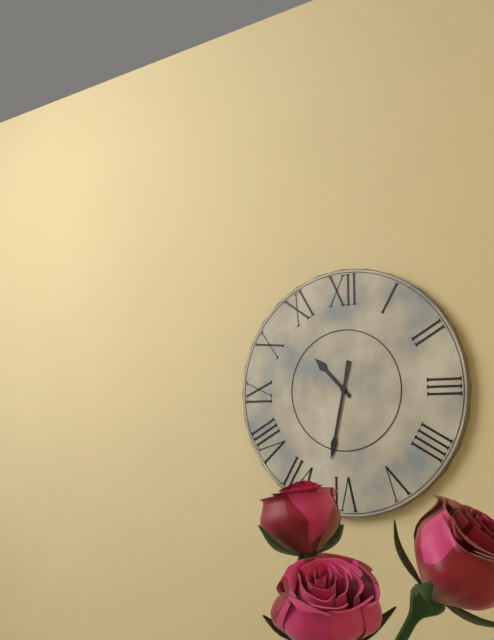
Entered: 10 h 32 min
